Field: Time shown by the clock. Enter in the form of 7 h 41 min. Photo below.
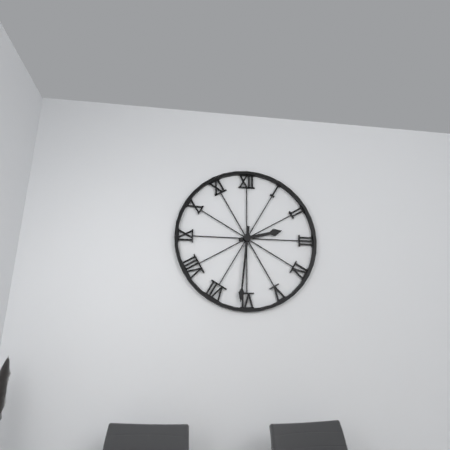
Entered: 2 h 31 min
